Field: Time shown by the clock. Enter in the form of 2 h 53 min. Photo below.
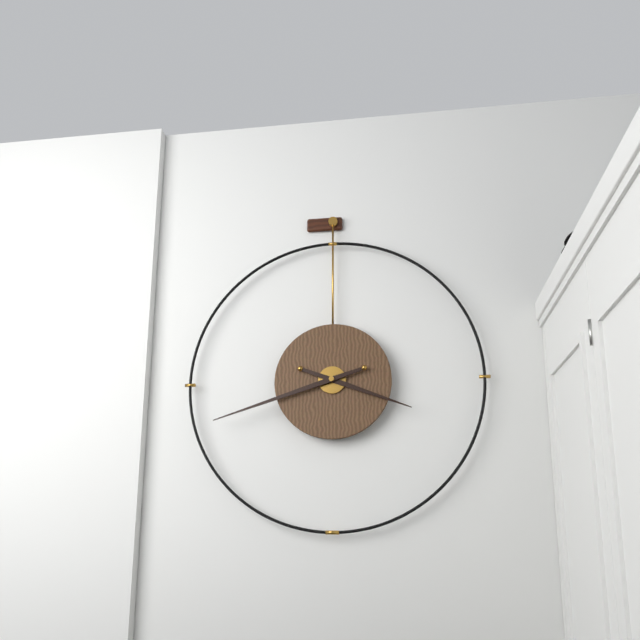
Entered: 3 h 42 min
